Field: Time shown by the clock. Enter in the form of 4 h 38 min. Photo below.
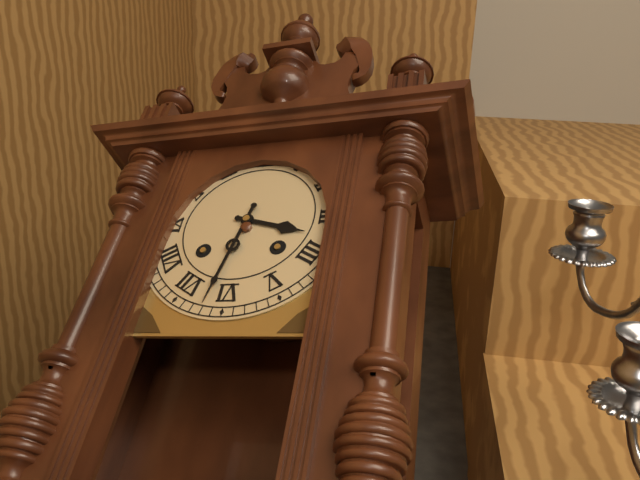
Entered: 3 h 32 min
